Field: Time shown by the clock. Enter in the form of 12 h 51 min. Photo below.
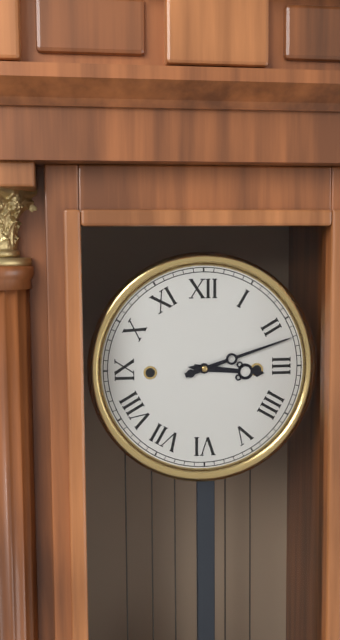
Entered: 3 h 12 min
